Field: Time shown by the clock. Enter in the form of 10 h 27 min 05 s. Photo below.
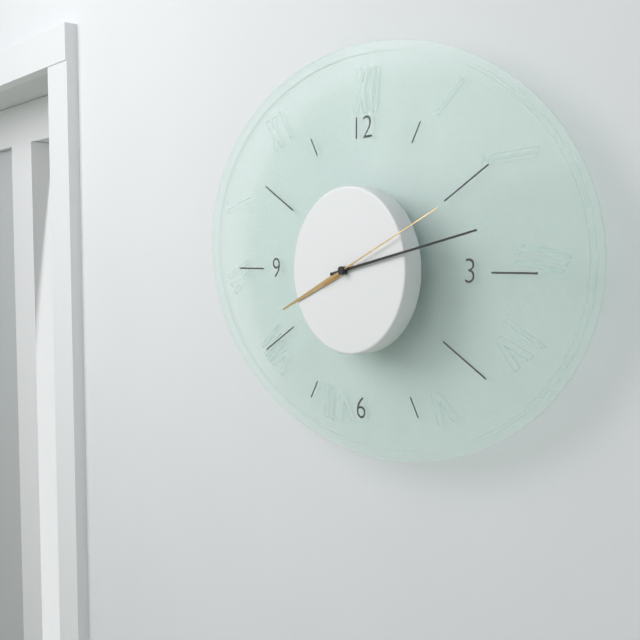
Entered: 8 h 13 min 11 s
